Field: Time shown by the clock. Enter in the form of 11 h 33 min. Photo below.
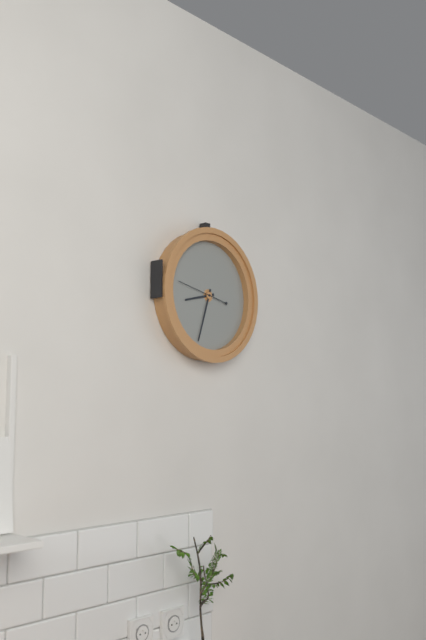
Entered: 8 h 33 min
